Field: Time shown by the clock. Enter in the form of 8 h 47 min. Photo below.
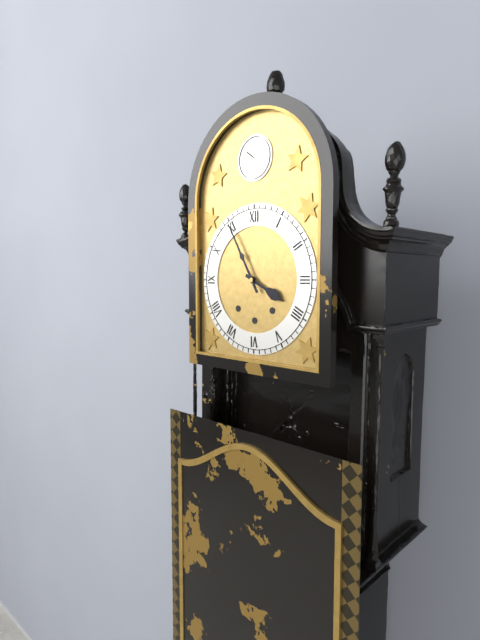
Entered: 3 h 55 min
